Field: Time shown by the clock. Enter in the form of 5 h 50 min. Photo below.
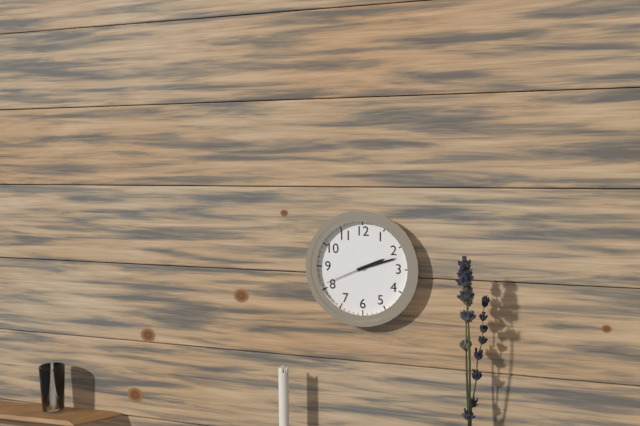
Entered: 2 h 12 min
